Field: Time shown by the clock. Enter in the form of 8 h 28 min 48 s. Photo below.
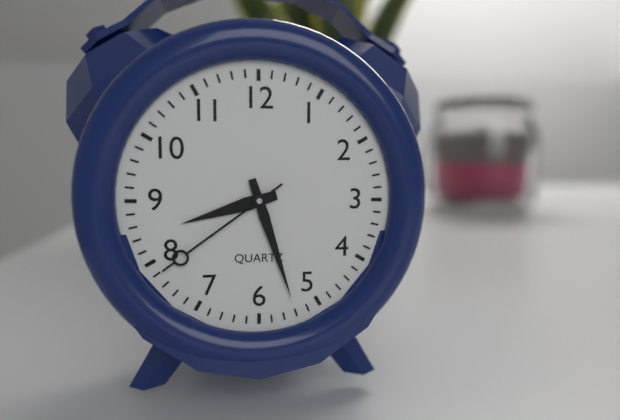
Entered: 8 h 27 min 39 s
